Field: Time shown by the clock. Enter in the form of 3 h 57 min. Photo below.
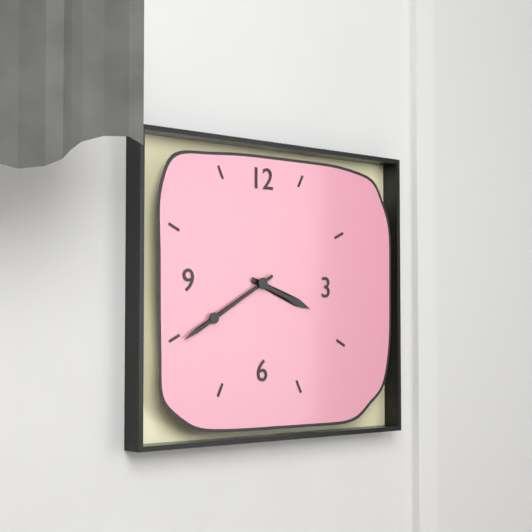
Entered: 3 h 40 min
